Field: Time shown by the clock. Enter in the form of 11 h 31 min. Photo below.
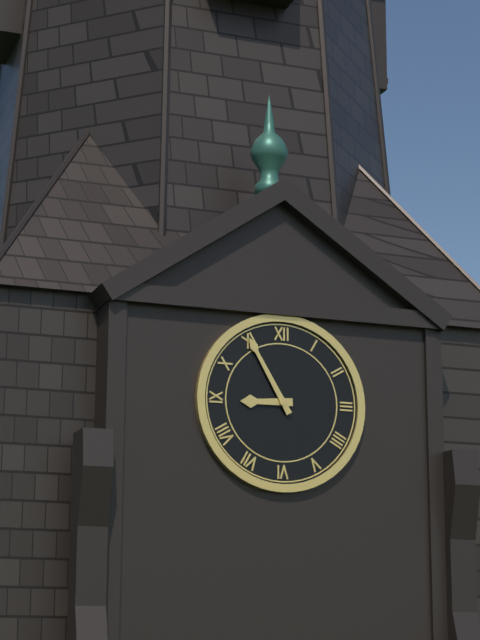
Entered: 8 h 55 min
